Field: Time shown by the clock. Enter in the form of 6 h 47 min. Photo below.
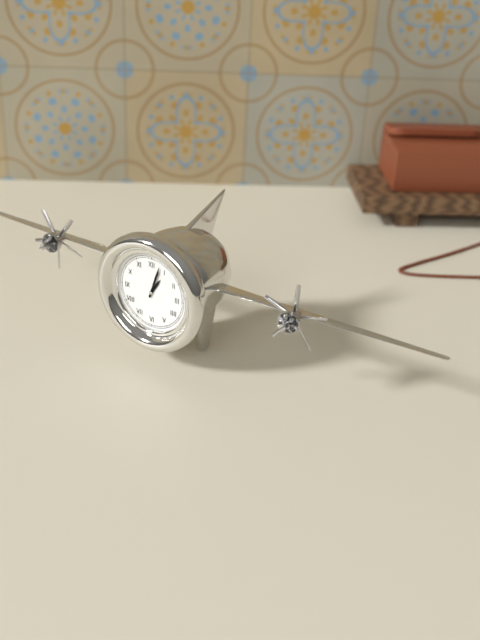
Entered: 1 h 03 min
